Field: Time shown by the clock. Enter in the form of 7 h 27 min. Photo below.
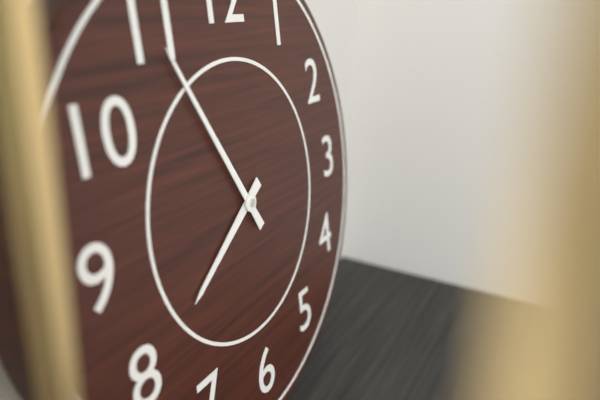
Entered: 7 h 55 min
